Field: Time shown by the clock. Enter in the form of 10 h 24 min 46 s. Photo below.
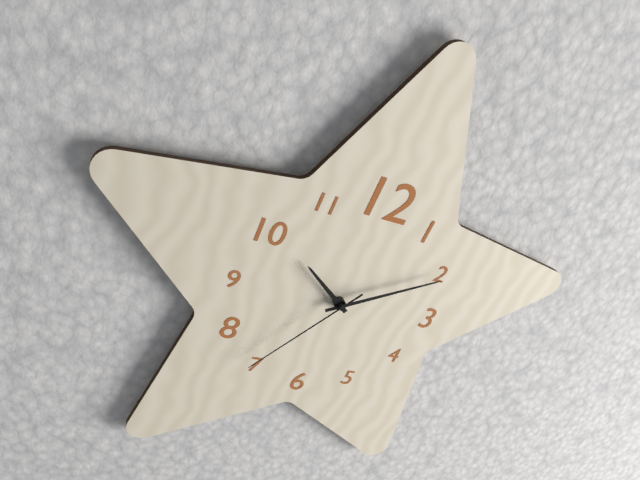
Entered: 10 h 10 min 36 s
